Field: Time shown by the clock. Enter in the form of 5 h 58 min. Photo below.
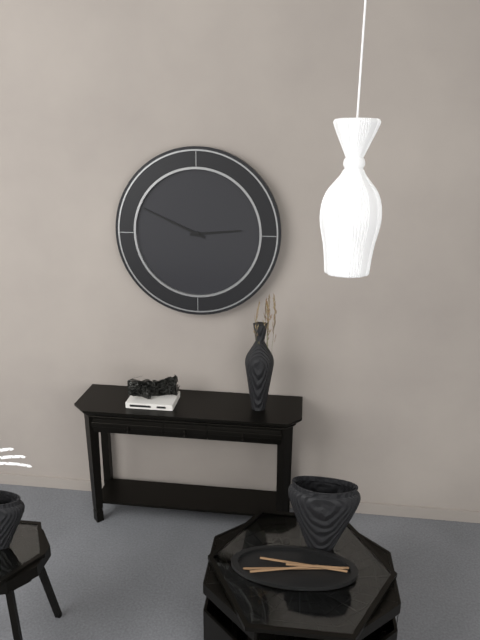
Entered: 2 h 49 min
